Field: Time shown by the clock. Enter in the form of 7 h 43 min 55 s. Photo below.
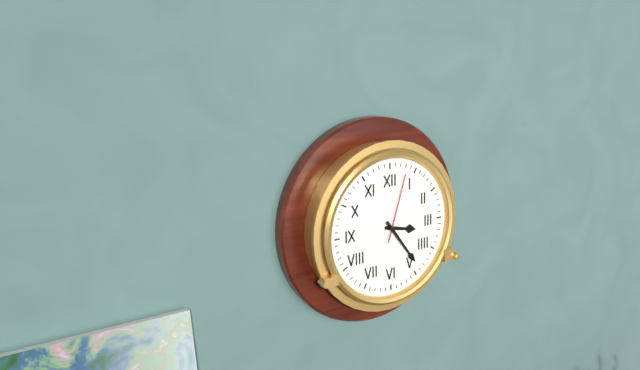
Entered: 3 h 24 min 03 s
